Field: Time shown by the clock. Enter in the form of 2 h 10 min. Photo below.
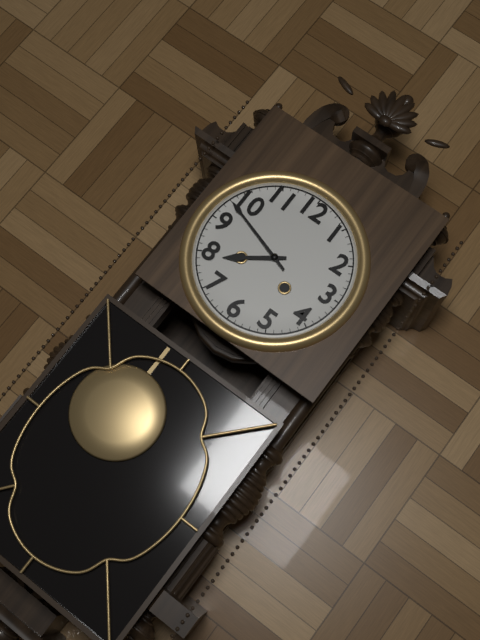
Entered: 7 h 48 min
